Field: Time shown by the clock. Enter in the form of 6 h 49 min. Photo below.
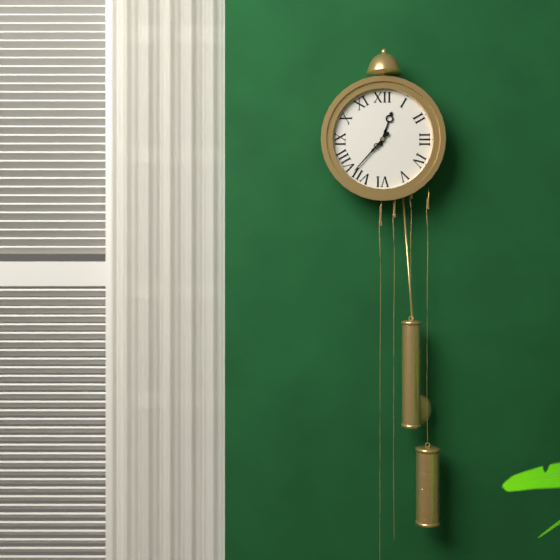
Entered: 12 h 37 min
